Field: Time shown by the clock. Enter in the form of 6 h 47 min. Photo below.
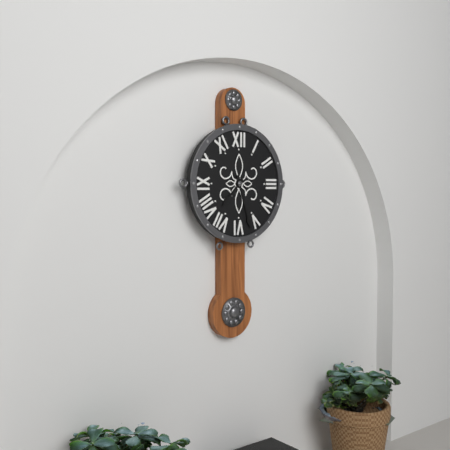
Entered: 7 h 27 min
